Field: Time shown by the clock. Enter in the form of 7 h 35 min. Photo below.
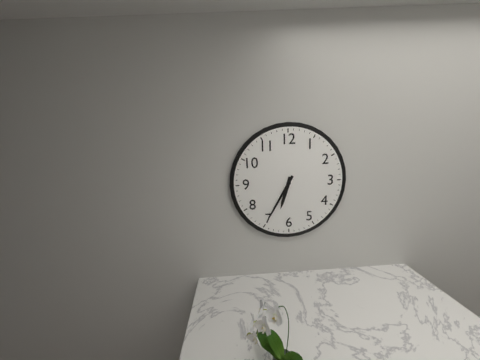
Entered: 6 h 35 min
